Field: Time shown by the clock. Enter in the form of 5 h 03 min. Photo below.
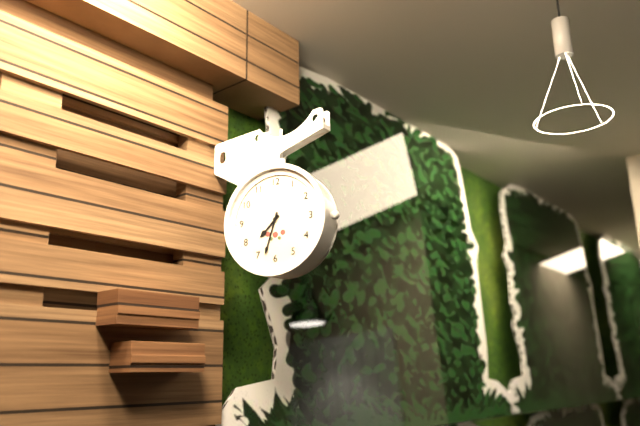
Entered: 7 h 33 min
